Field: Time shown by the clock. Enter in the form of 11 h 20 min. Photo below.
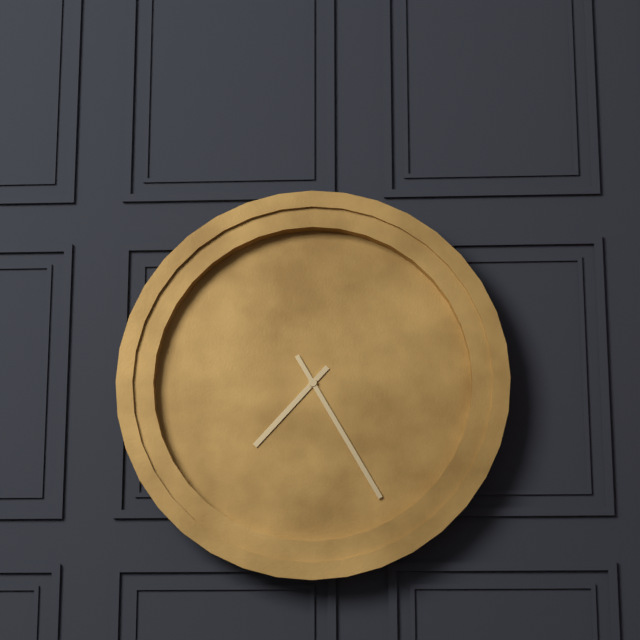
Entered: 7 h 25 min
